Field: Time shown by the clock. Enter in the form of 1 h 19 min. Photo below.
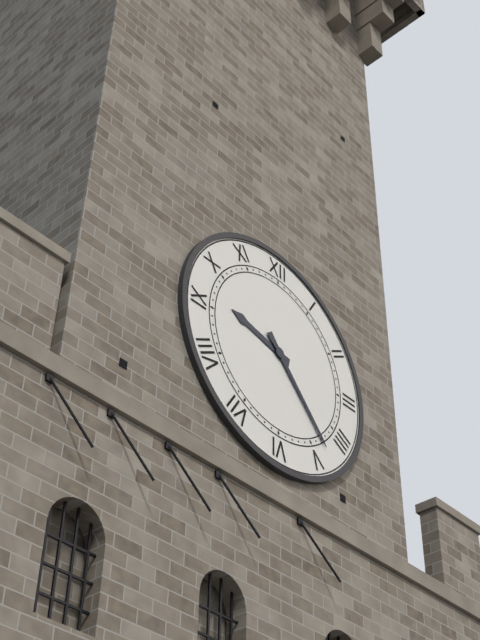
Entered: 9 h 23 min
